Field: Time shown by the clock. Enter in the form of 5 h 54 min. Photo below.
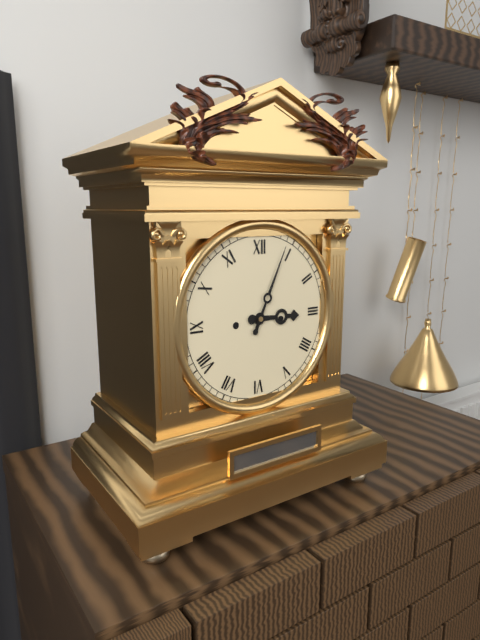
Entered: 3 h 04 min
